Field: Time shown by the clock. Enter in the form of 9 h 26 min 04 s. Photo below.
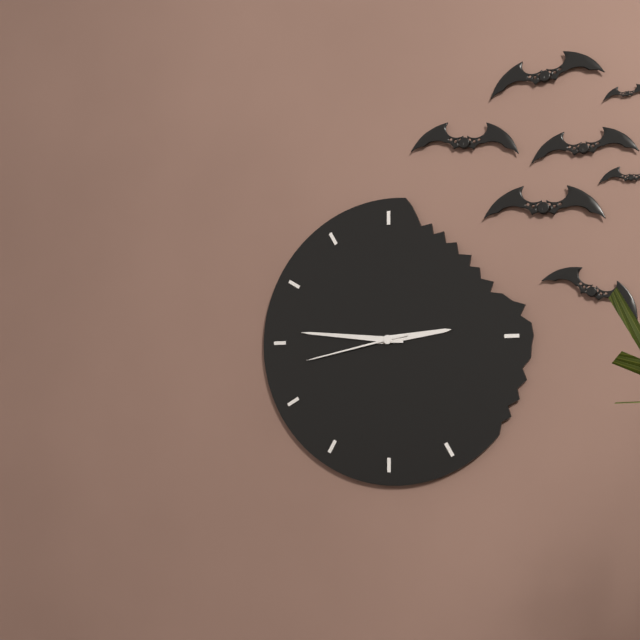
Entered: 2 h 46 min 43 s
